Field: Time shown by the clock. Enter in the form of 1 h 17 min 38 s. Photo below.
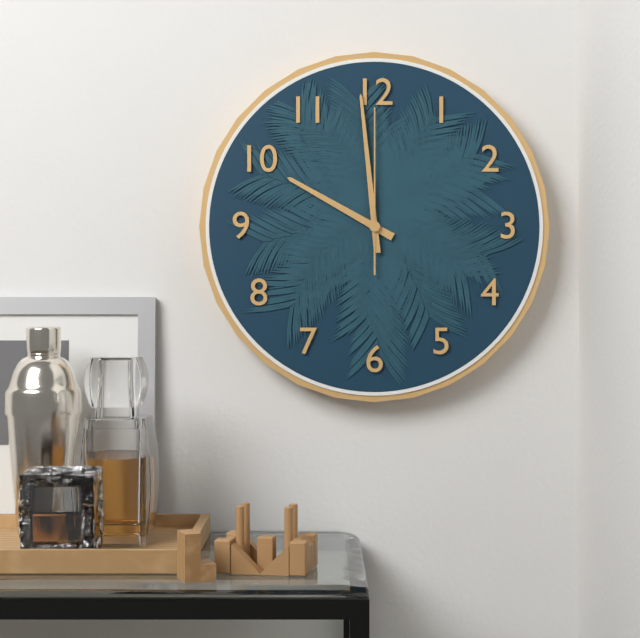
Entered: 9 h 59 min 00 s
